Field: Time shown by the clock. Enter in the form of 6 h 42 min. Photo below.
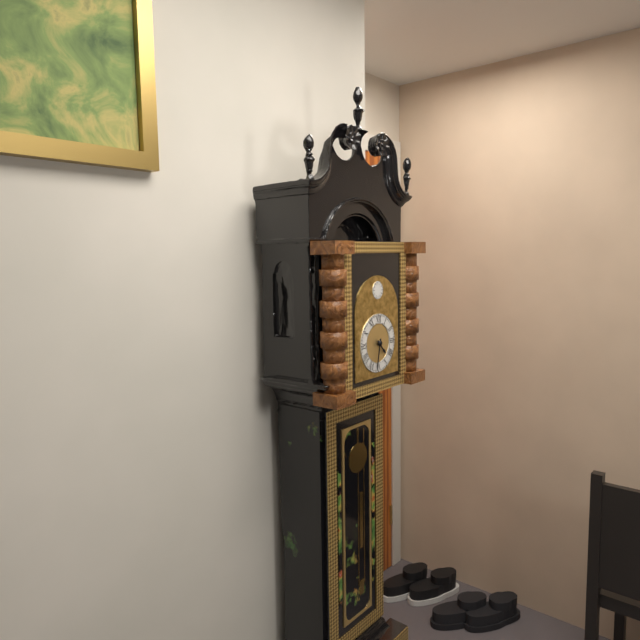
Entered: 4 h 32 min
